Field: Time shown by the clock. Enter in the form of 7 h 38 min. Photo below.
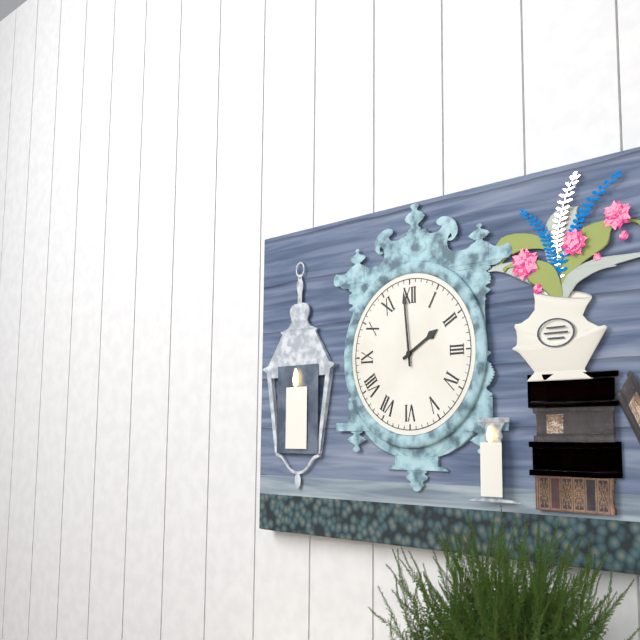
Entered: 1 h 59 min
